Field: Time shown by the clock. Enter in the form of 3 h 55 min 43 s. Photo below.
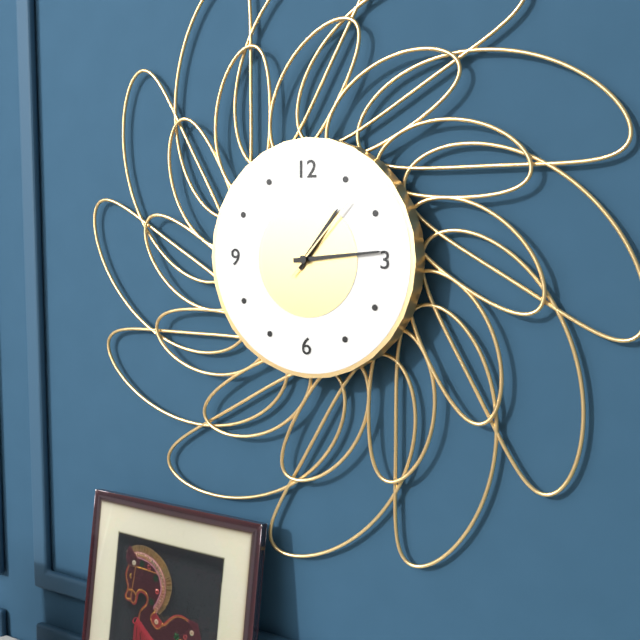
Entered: 1 h 14 min 07 s
